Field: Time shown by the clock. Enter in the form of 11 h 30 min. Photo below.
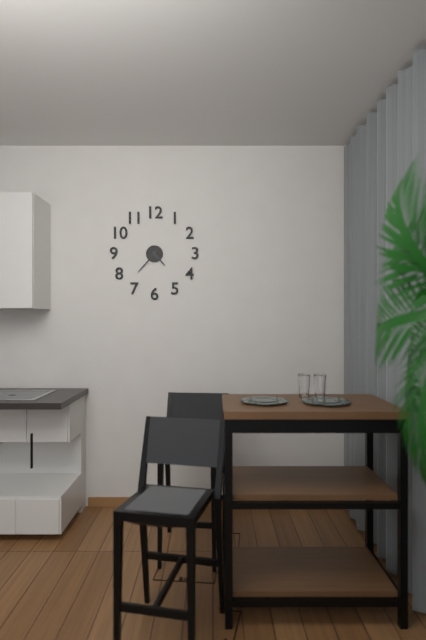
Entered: 4 h 37 min
